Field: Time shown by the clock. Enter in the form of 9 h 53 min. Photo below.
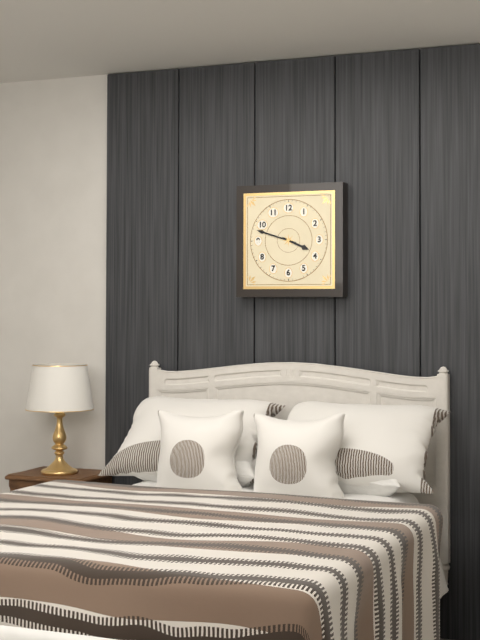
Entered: 3 h 48 min
